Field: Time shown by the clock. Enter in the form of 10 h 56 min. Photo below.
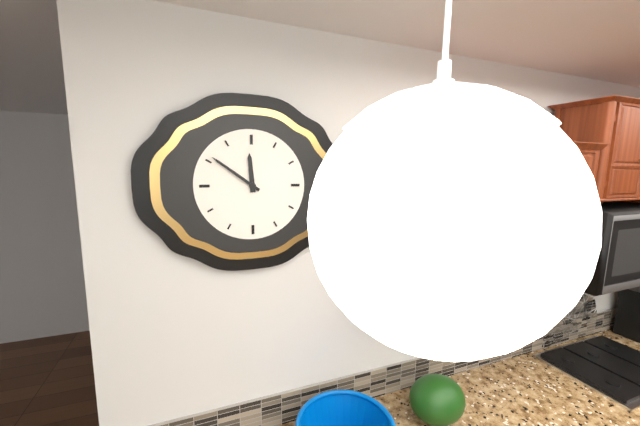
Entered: 11 h 51 min
